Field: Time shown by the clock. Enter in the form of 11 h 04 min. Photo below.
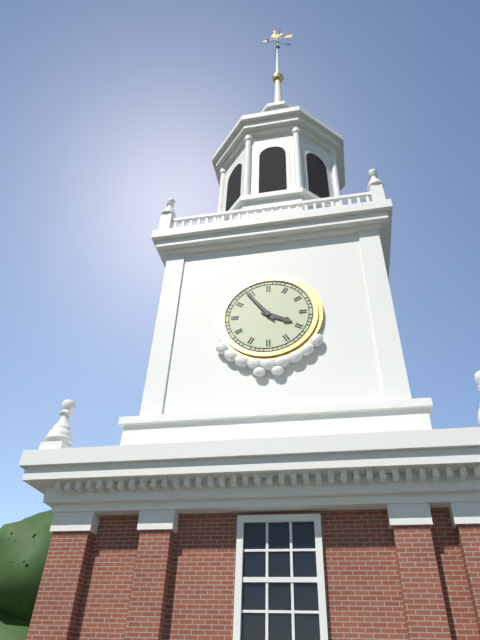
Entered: 3 h 54 min
